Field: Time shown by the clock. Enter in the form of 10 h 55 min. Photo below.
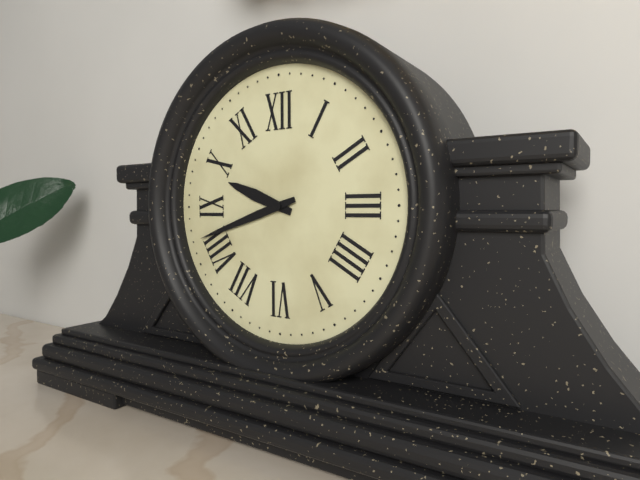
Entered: 9 h 42 min
